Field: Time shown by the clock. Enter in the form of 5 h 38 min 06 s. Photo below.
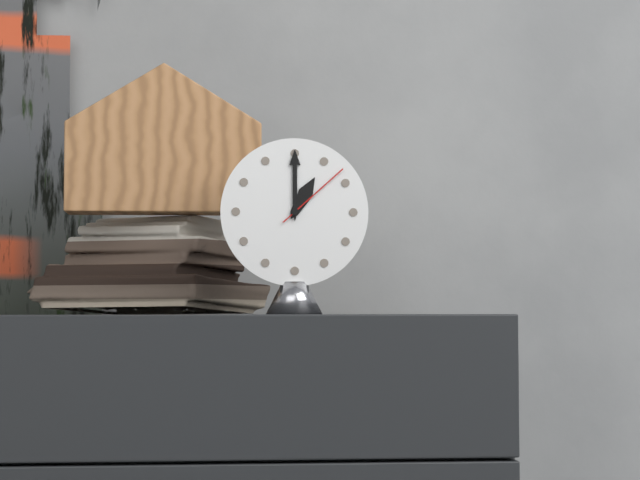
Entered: 1 h 00 min 08 s
